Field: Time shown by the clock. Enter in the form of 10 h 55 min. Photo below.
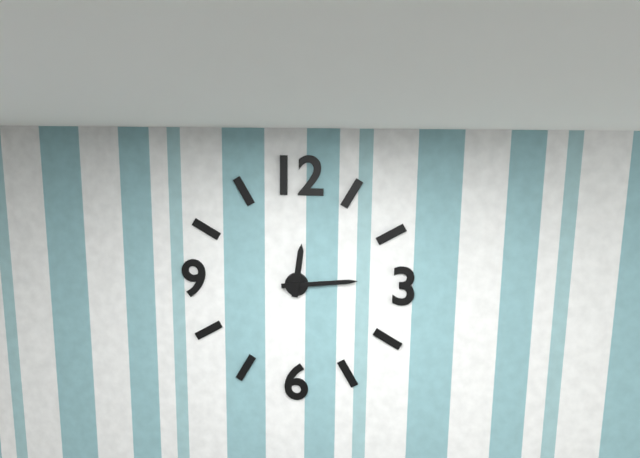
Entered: 12 h 14 min
